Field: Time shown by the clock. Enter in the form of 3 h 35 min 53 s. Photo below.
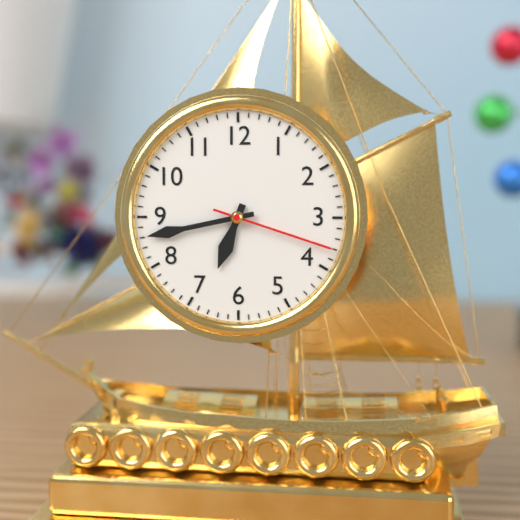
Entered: 6 h 43 min 18 s
